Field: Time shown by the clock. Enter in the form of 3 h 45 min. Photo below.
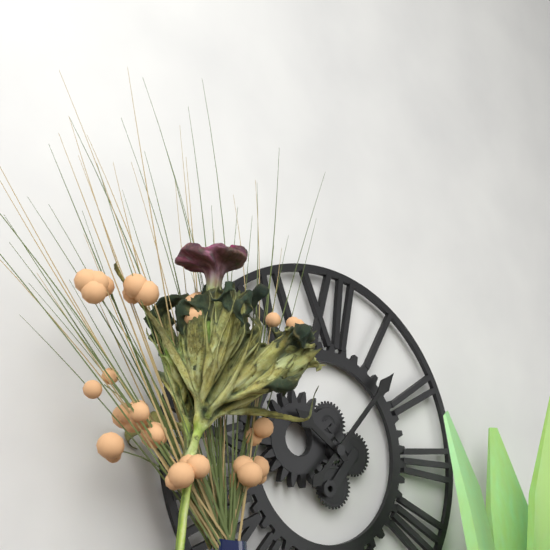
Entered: 10 h 07 min
